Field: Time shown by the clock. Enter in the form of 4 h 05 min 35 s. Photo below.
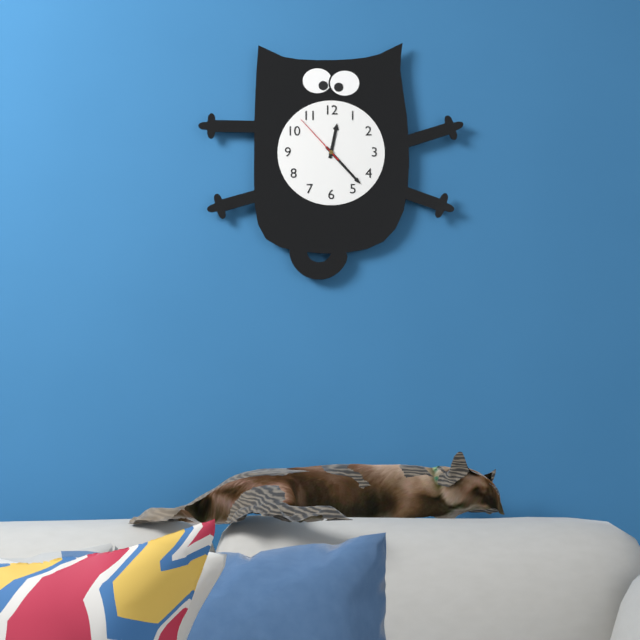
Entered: 12 h 23 min 53 s
